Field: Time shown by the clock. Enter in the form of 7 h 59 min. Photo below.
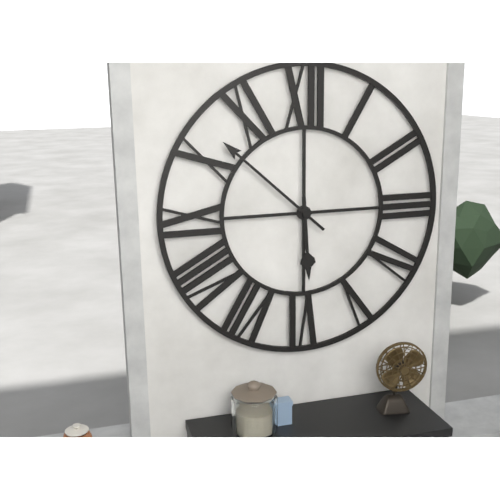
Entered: 5 h 52 min
